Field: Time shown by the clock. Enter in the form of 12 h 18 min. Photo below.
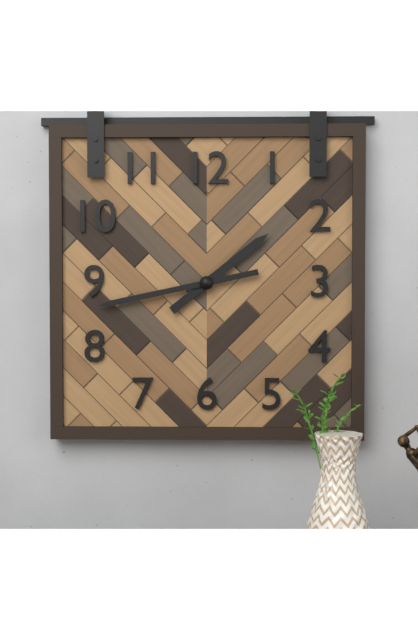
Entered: 1 h 43 min
